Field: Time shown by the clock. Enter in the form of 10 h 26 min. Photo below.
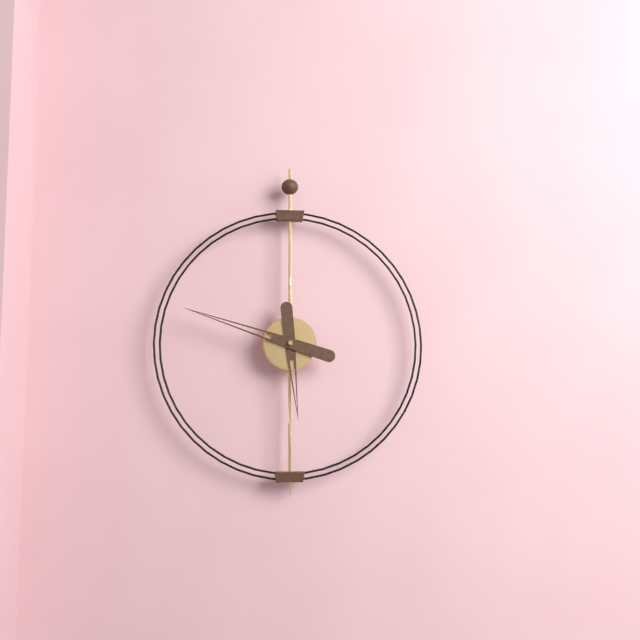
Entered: 5 h 48 min
